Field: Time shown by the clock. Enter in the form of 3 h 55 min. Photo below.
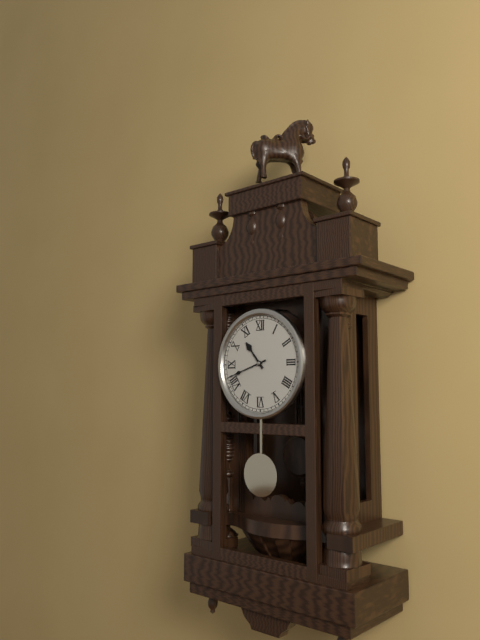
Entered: 10 h 42 min
